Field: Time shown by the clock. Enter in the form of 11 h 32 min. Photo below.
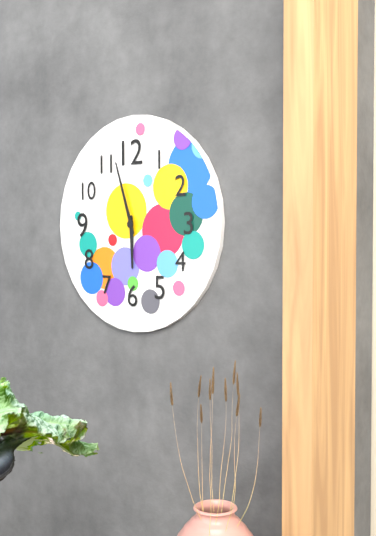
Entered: 5 h 57 min
